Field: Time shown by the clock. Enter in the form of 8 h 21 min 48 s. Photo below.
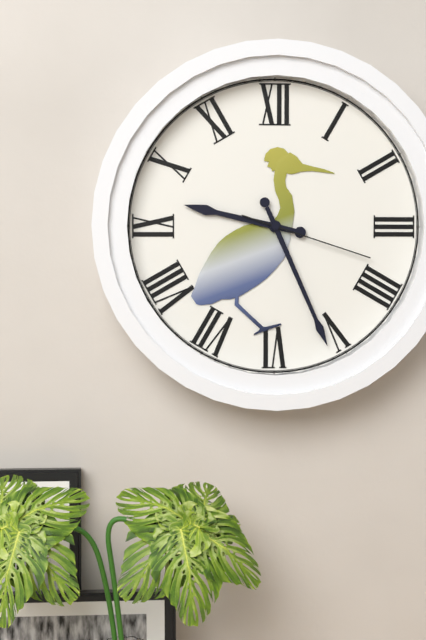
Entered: 9 h 26 min 18 s
